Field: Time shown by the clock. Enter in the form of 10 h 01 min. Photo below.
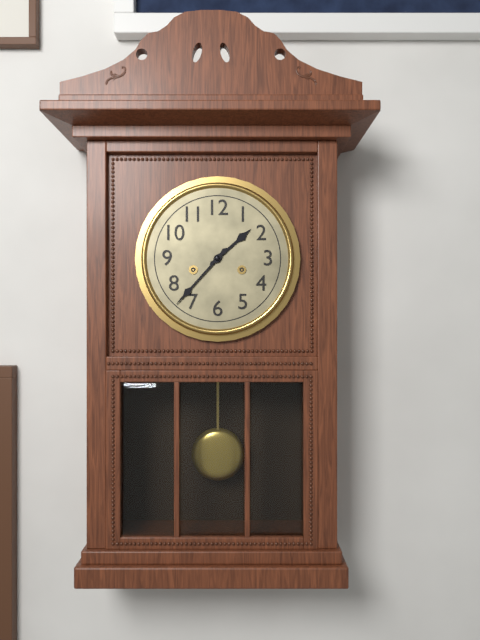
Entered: 1 h 37 min
